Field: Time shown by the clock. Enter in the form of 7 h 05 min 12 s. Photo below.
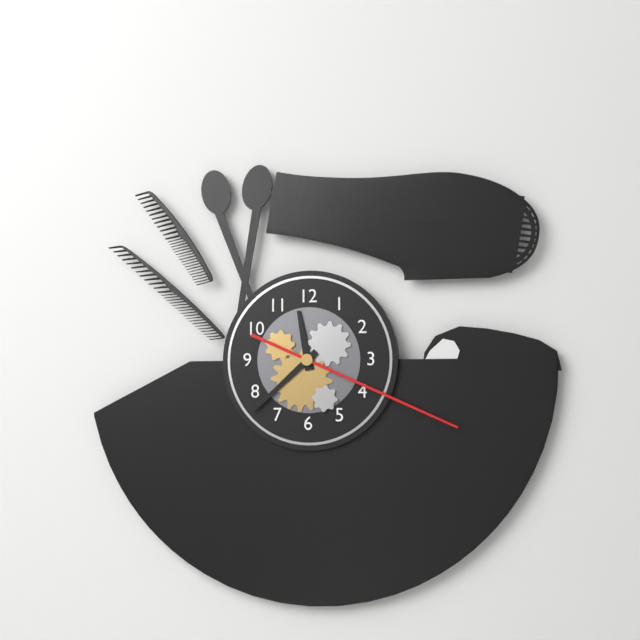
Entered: 11 h 38 min 19 s
